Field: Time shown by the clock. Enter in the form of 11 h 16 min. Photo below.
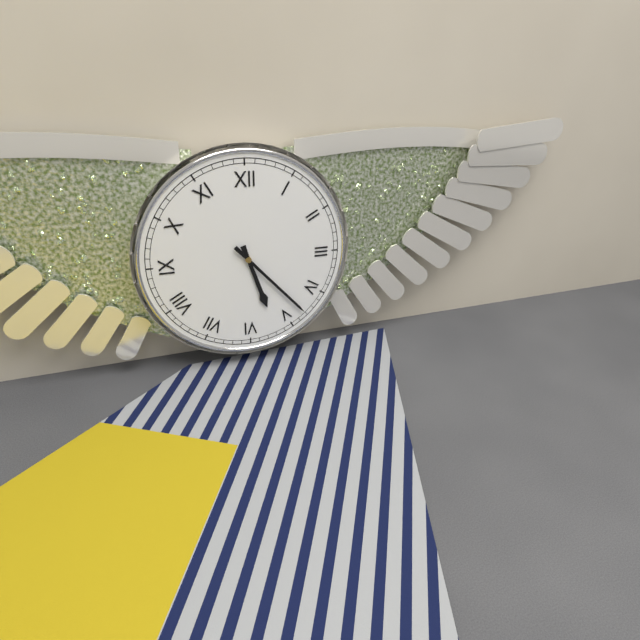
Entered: 5 h 23 min
